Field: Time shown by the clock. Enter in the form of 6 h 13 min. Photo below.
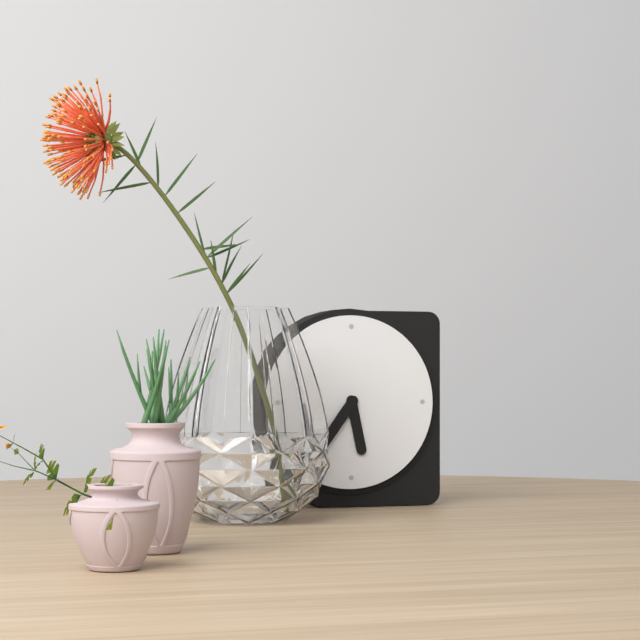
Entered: 5 h 36 min
